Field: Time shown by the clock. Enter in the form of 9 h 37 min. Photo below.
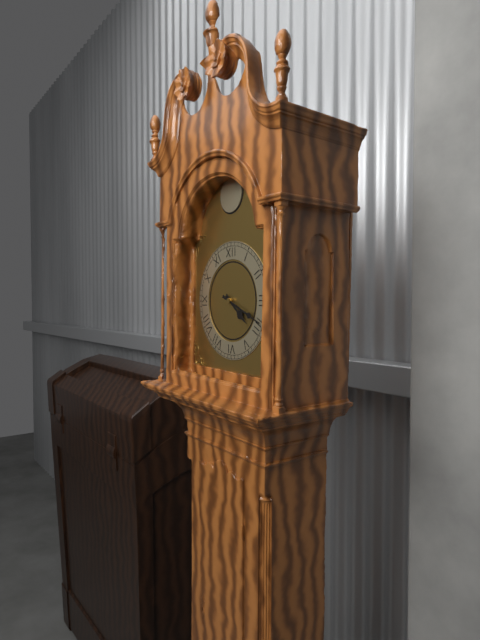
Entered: 4 h 19 min
